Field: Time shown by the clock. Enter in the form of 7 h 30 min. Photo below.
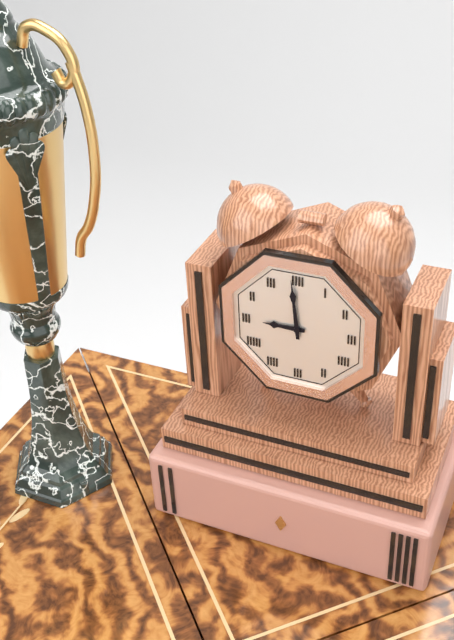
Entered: 8 h 59 min
